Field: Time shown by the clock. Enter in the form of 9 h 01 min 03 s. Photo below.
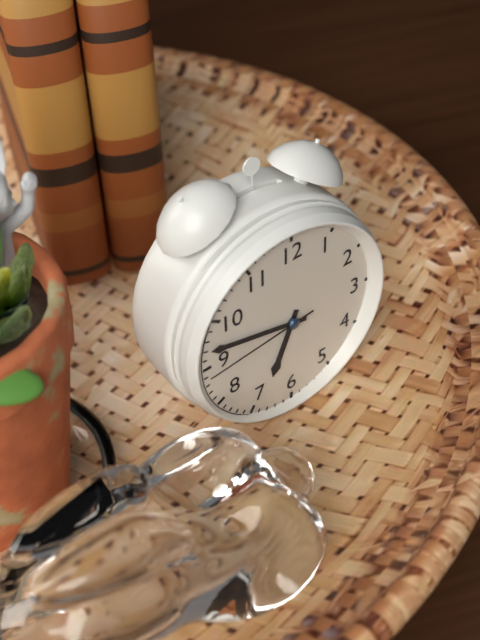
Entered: 6 h 47 min 44 s
